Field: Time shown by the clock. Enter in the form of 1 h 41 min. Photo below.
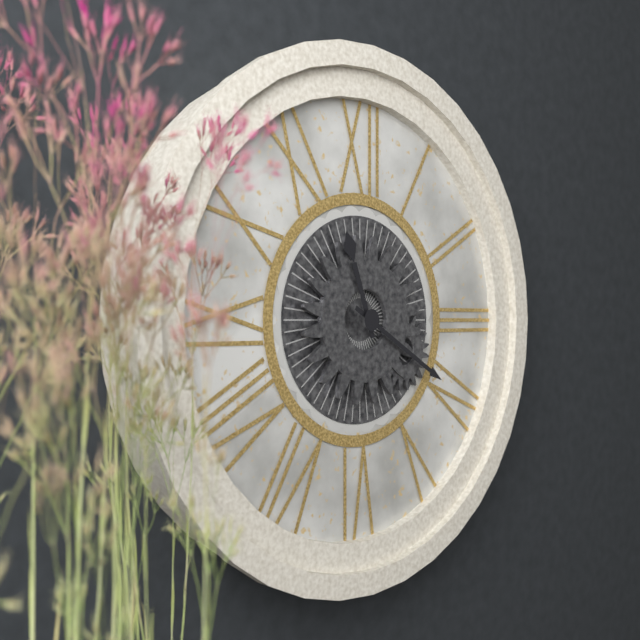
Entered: 11 h 20 min
